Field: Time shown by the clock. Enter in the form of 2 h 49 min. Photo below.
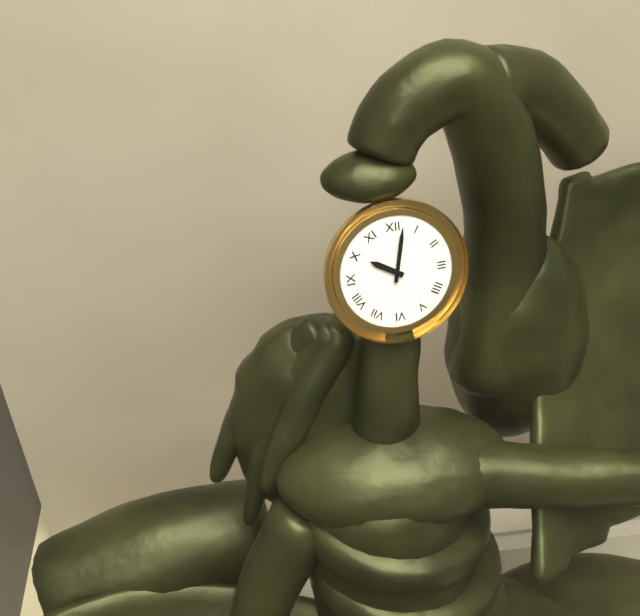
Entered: 10 h 02 min
